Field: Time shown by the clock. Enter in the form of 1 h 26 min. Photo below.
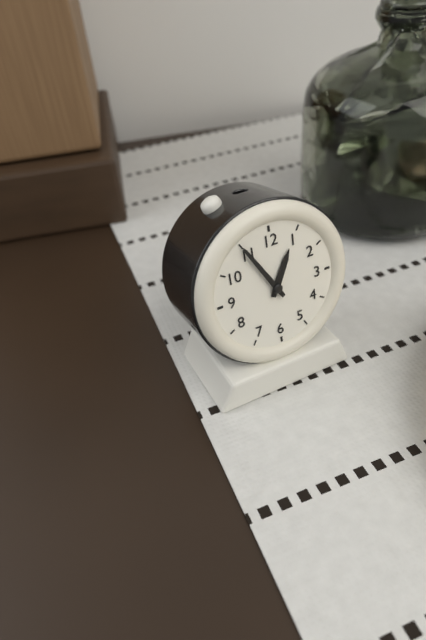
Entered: 12 h 55 min
